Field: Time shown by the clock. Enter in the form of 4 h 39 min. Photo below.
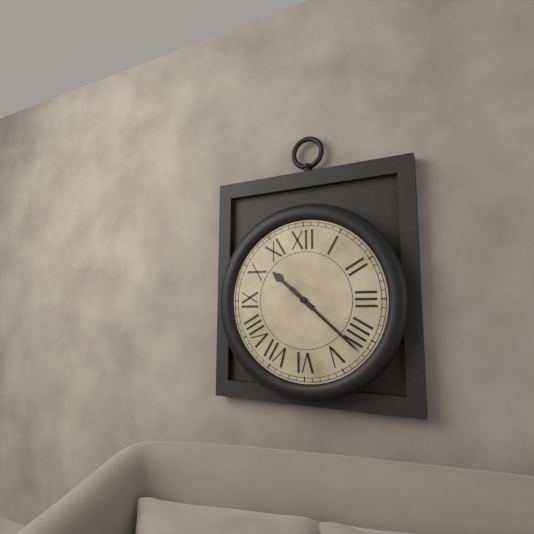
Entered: 10 h 22 min
